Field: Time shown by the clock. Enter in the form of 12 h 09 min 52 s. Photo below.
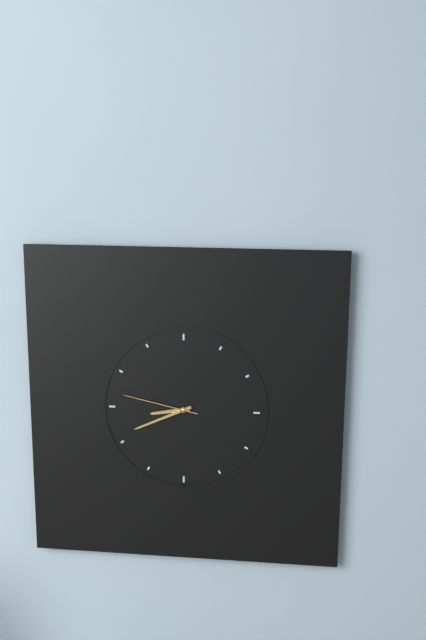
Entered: 8 h 41 min 47 s
